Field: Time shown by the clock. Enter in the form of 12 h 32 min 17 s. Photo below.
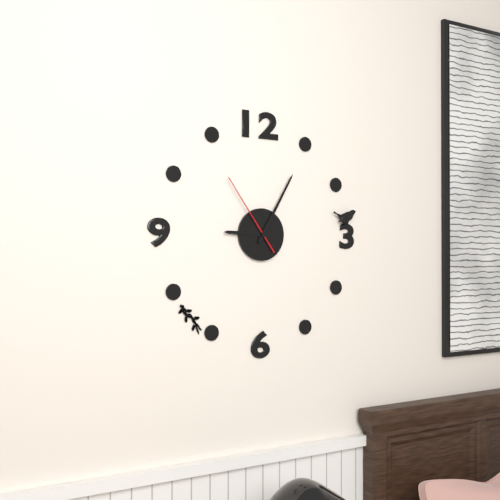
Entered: 9 h 05 min 54 s
